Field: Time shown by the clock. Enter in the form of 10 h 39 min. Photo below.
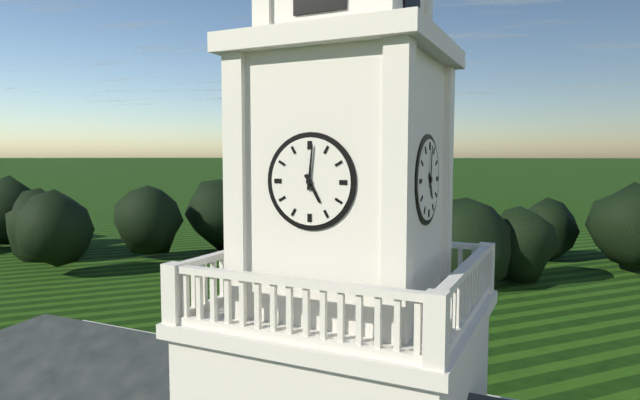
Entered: 5 h 01 min
